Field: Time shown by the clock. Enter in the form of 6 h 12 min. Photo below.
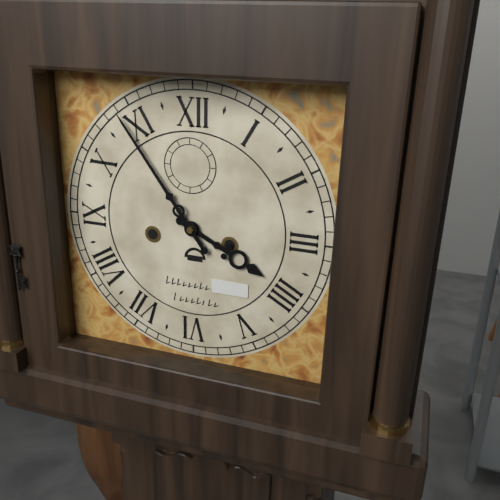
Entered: 3 h 54 min
